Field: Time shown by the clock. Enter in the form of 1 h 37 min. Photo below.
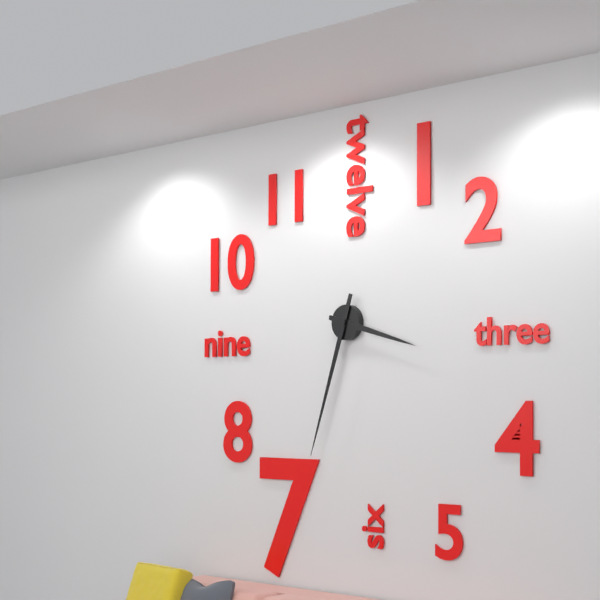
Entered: 3 h 33 min
